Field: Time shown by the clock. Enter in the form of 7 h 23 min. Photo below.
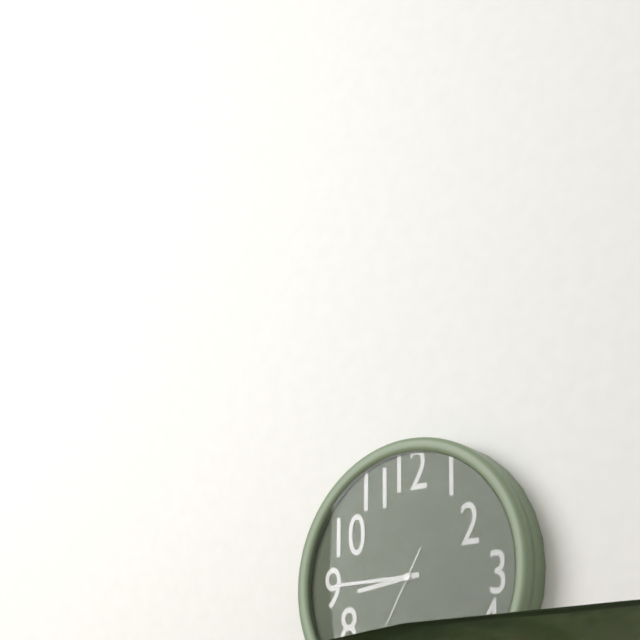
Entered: 8 h 45 min
